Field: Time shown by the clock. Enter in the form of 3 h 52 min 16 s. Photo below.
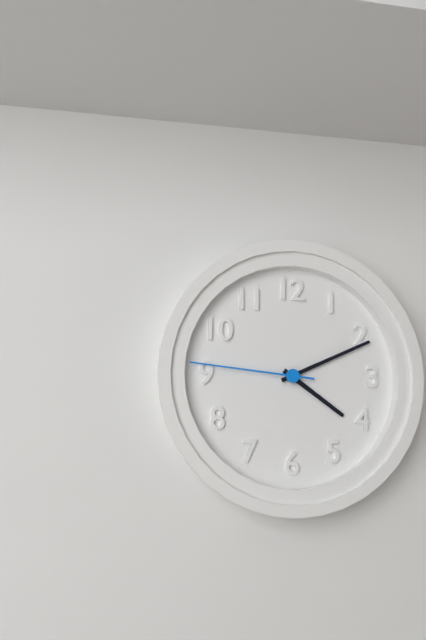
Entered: 4 h 11 min 46 s
